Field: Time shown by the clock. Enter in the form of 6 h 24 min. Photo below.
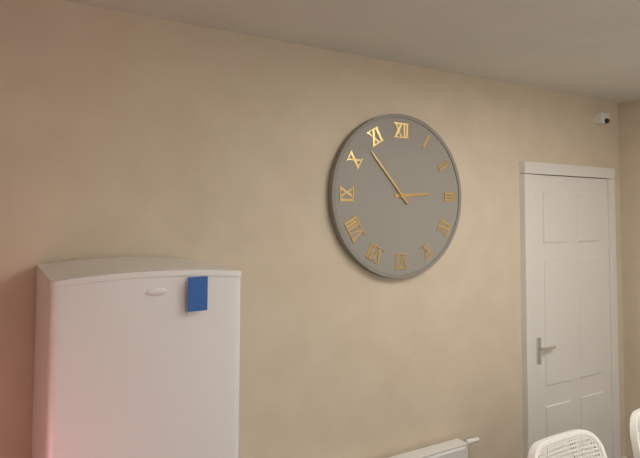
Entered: 2 h 53 min
